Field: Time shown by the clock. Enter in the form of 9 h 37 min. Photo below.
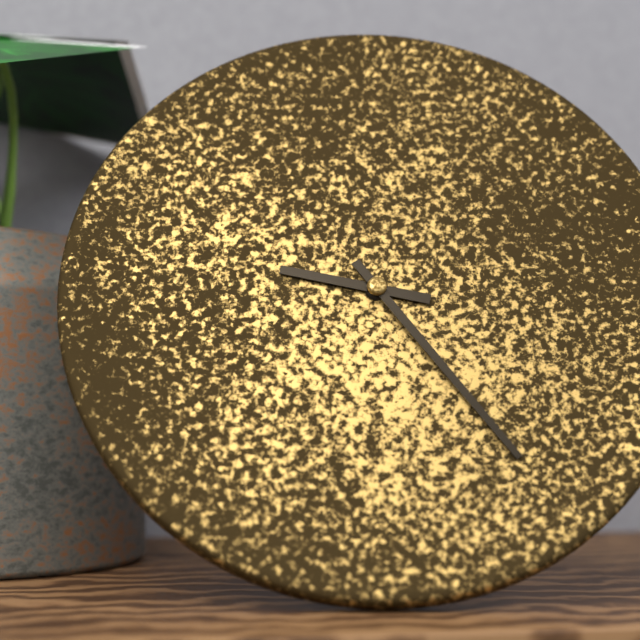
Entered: 9 h 24 min
